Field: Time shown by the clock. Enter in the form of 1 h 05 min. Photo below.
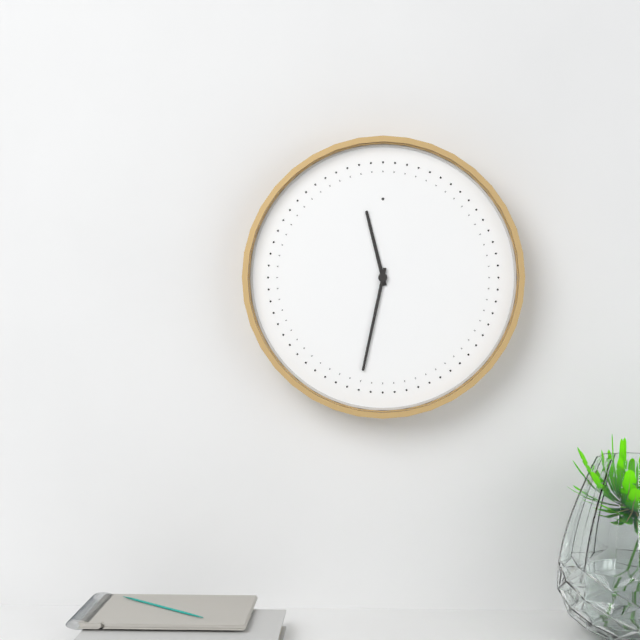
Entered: 11 h 32 min
